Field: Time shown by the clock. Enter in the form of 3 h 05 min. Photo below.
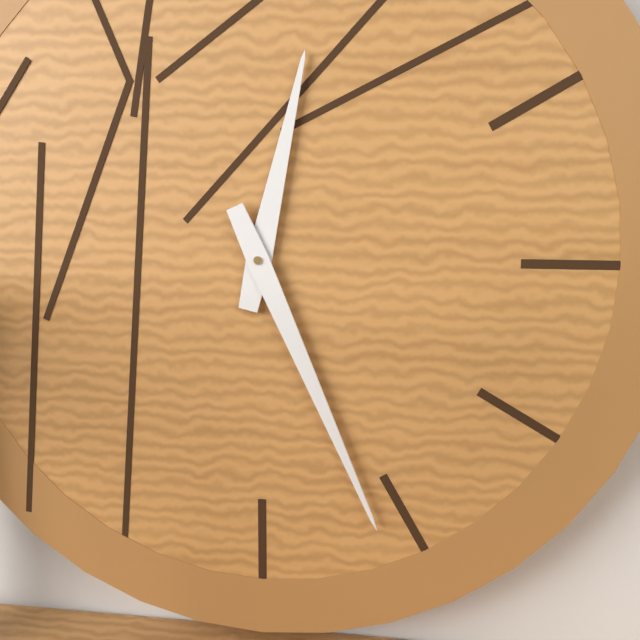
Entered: 12 h 26 min
